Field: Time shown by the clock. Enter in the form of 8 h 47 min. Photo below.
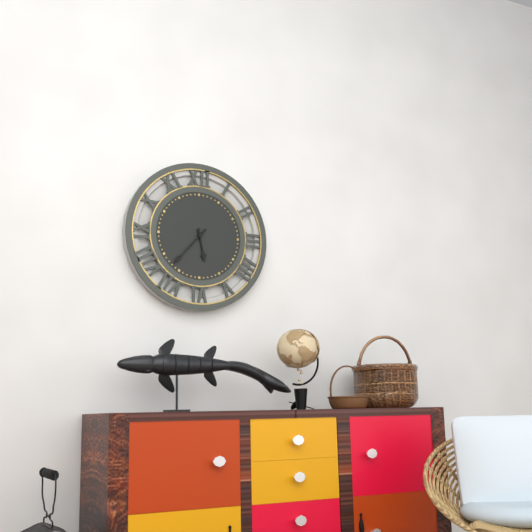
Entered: 5 h 37 min
